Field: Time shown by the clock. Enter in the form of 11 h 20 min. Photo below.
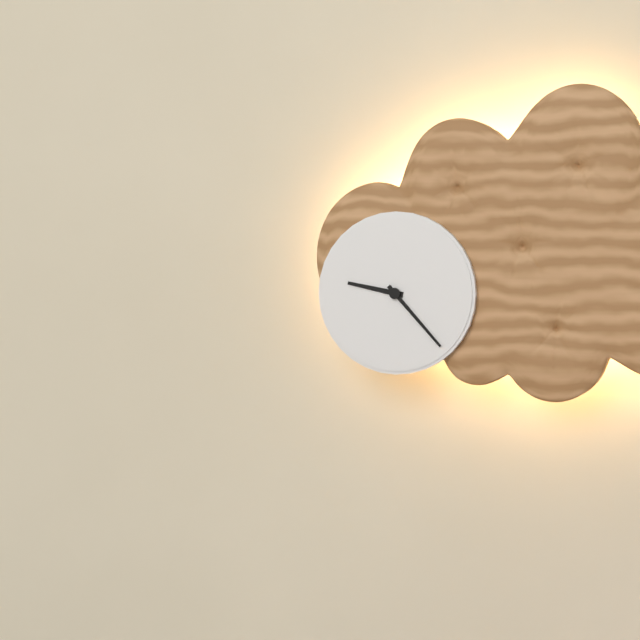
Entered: 9 h 23 min
